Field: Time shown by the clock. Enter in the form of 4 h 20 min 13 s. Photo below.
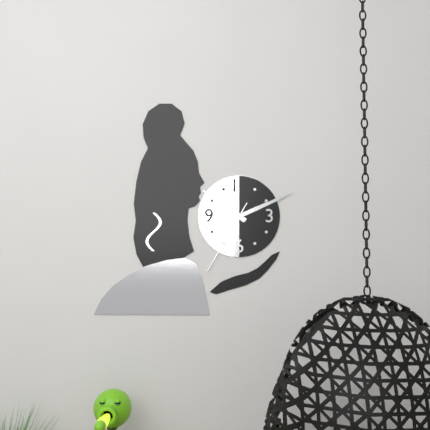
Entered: 10 h 11 min 35 s
